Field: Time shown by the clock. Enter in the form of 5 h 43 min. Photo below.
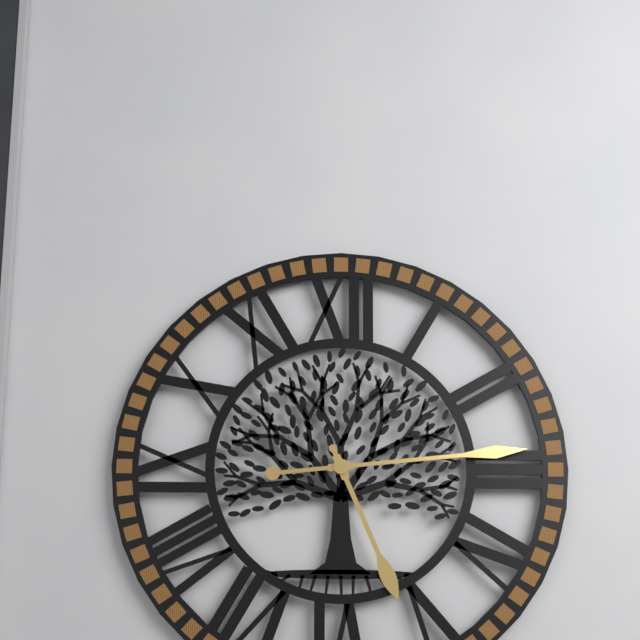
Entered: 5 h 14 min
